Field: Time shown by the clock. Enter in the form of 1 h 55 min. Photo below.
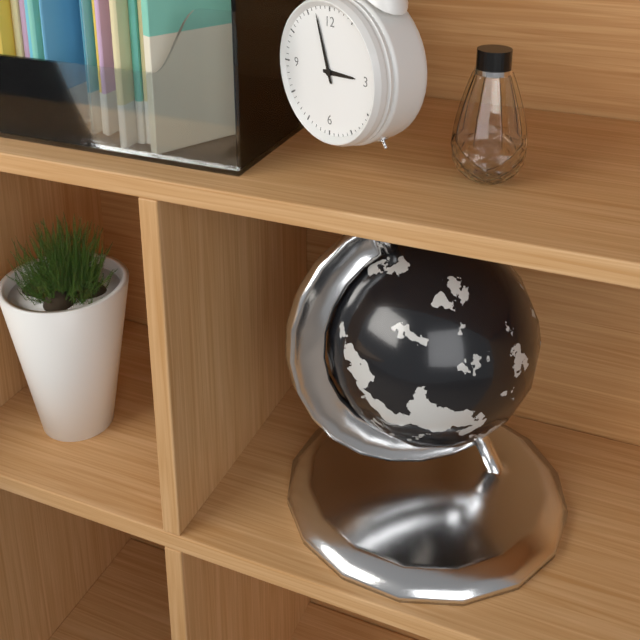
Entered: 2 h 57 min
